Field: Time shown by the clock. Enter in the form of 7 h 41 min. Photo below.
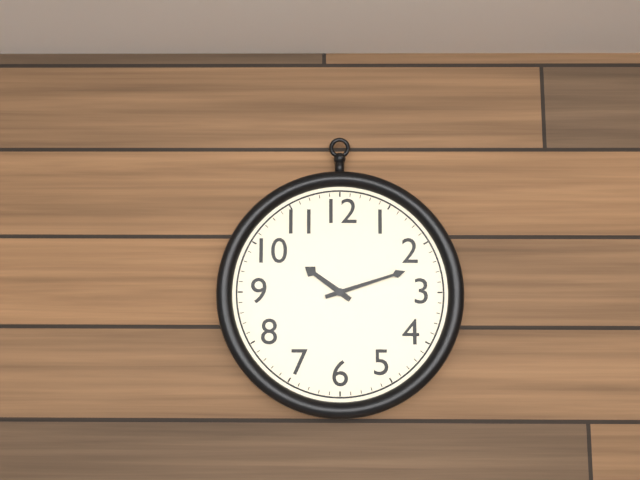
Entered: 10 h 12 min
